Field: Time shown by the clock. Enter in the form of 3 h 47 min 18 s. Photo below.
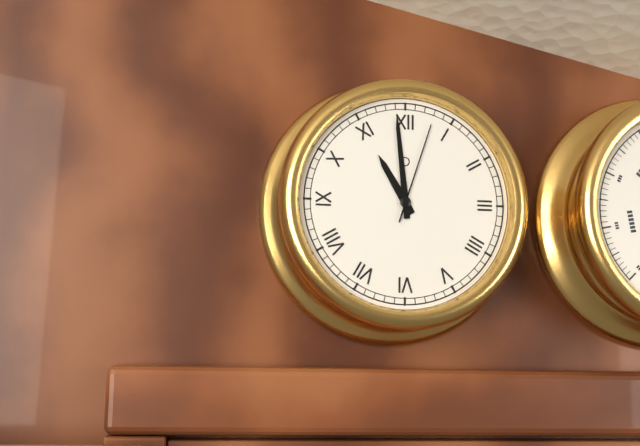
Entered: 10 h 59 min 03 s
